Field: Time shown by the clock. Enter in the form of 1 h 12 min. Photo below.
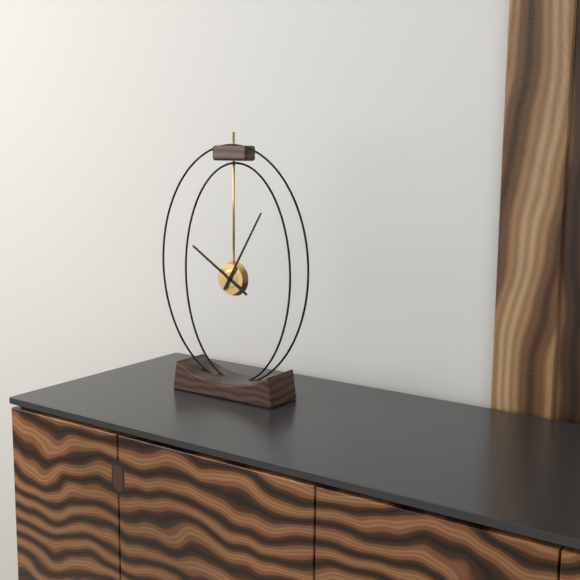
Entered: 10 h 05 min
